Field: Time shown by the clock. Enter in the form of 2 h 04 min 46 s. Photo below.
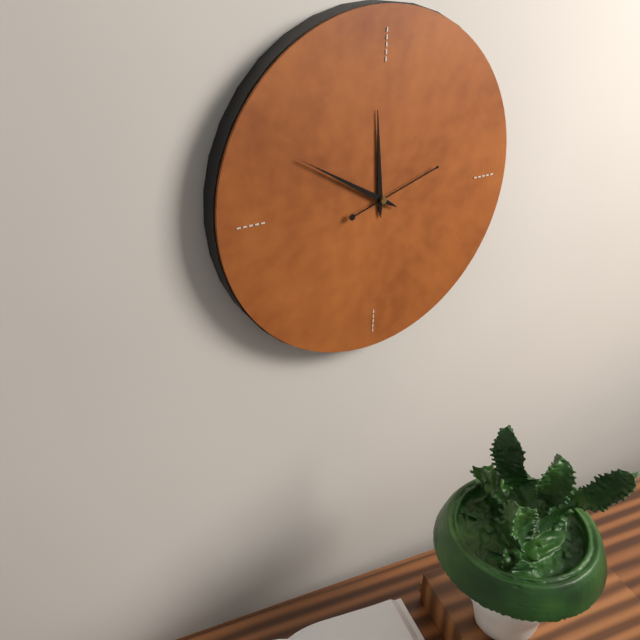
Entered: 11 h 50 min 12 s
